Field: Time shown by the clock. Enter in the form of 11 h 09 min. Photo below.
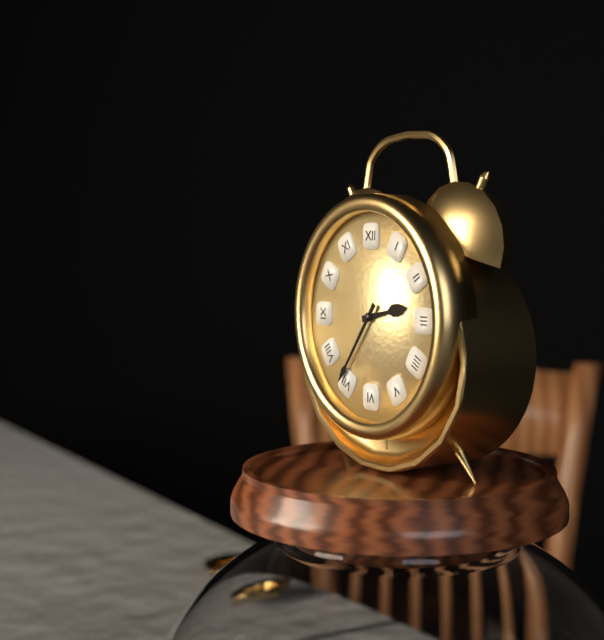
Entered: 2 h 36 min
